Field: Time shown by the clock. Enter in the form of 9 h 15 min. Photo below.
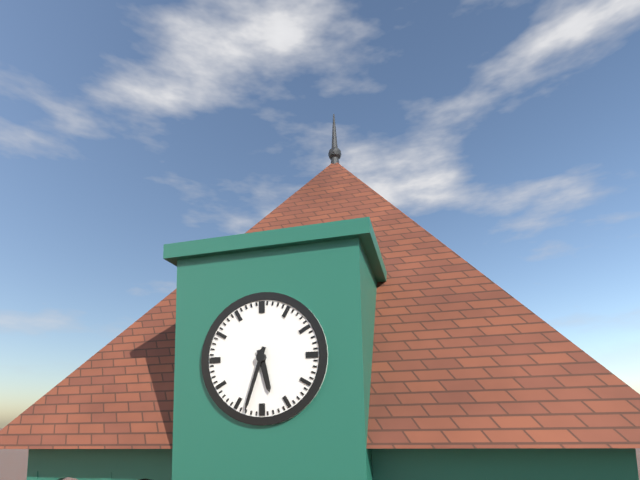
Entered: 5 h 33 min
